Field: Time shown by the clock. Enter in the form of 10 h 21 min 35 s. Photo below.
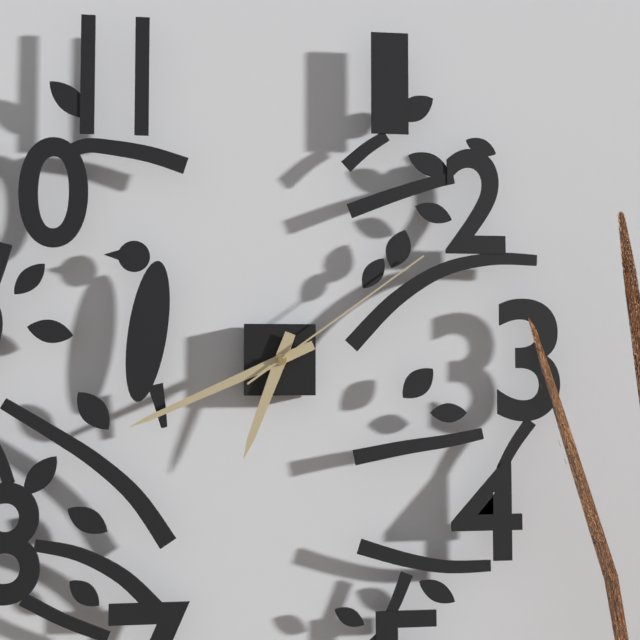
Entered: 6 h 41 min 09 s
